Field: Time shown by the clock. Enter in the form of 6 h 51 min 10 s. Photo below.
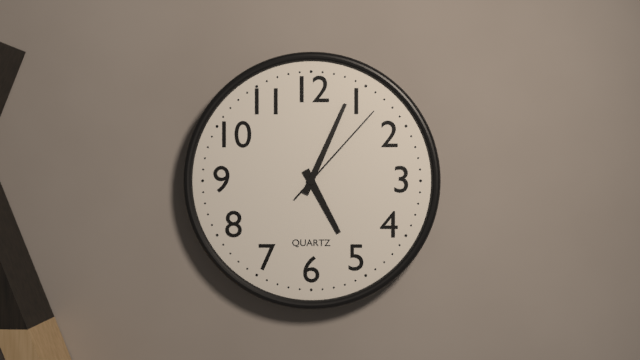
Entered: 5 h 04 min 07 s
